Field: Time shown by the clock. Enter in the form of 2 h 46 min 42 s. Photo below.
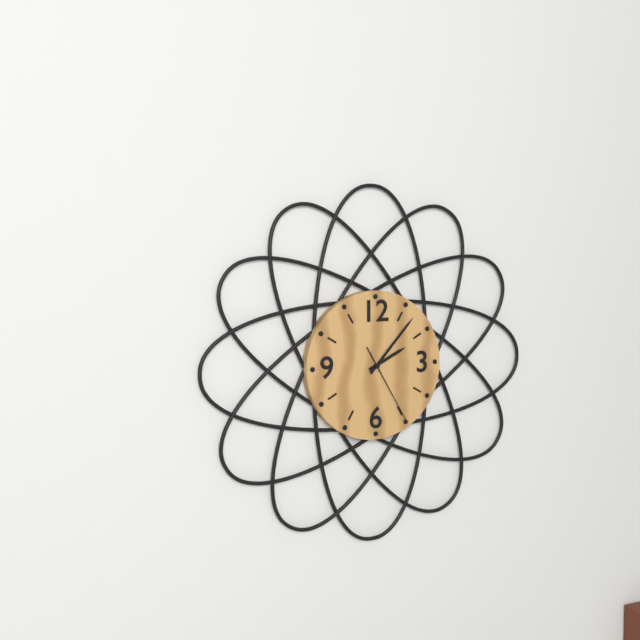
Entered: 2 h 07 min 25 s
